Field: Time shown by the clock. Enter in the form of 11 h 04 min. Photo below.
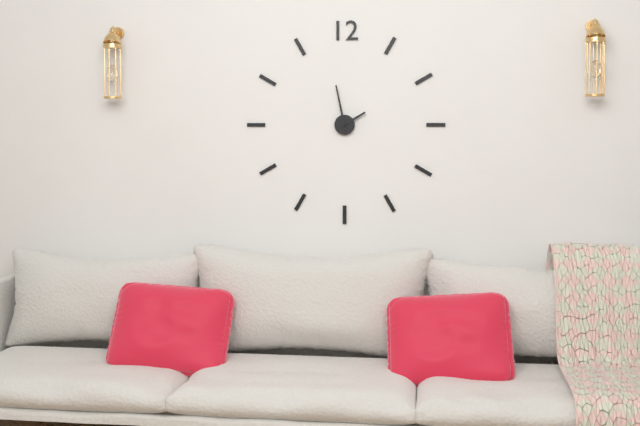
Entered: 1 h 58 min
